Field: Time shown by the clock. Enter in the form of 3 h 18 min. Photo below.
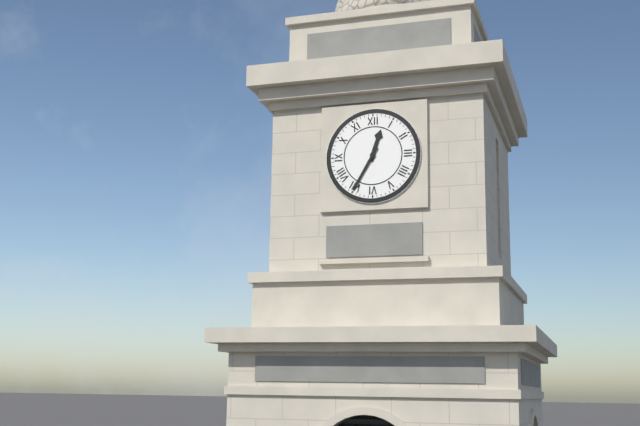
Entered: 12 h 35 min
